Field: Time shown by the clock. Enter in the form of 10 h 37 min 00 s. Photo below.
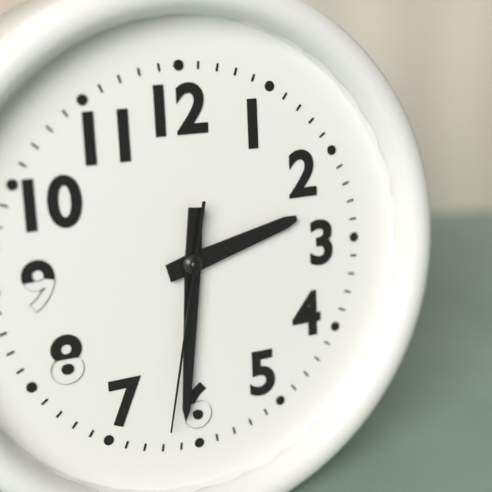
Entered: 2 h 31 min 32 s
